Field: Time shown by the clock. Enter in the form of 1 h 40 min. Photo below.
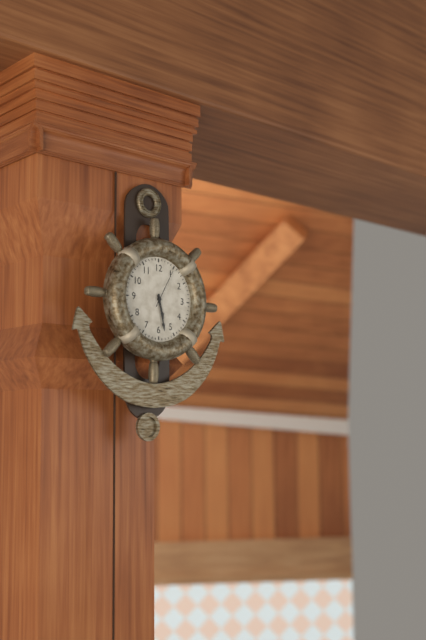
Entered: 5 h 28 min
